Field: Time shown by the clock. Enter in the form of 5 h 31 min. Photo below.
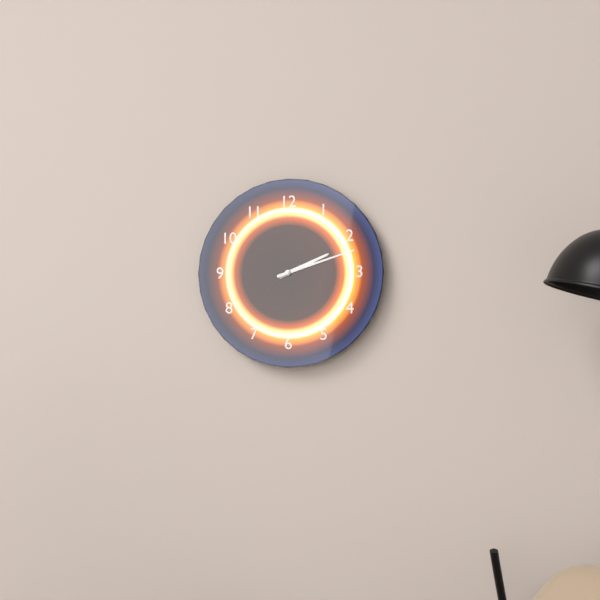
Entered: 2 h 12 min
